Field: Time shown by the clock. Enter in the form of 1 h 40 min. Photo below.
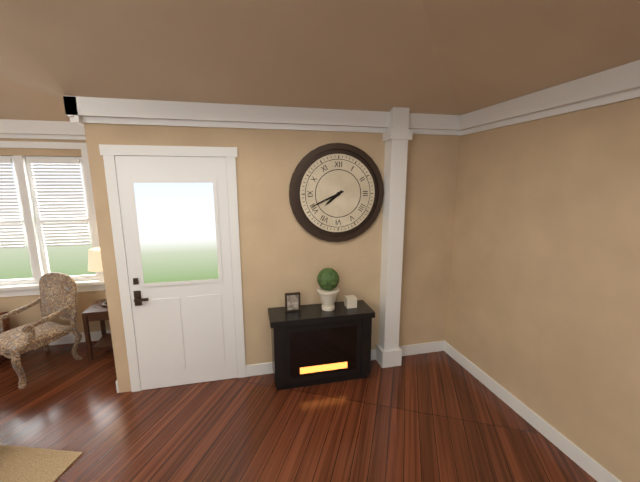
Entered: 7 h 41 min
